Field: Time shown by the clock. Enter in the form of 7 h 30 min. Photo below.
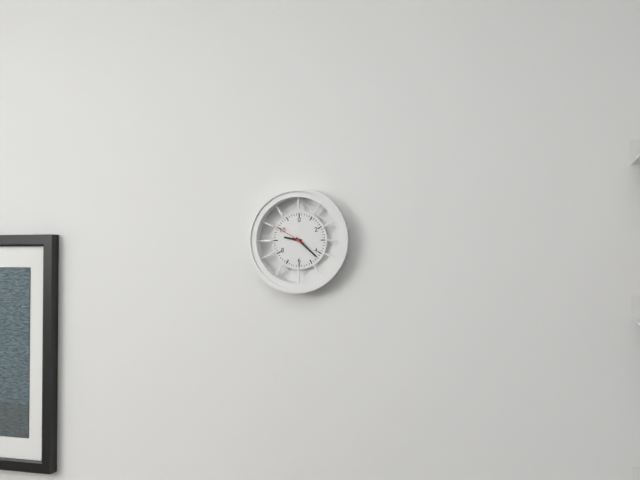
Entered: 9 h 22 min
